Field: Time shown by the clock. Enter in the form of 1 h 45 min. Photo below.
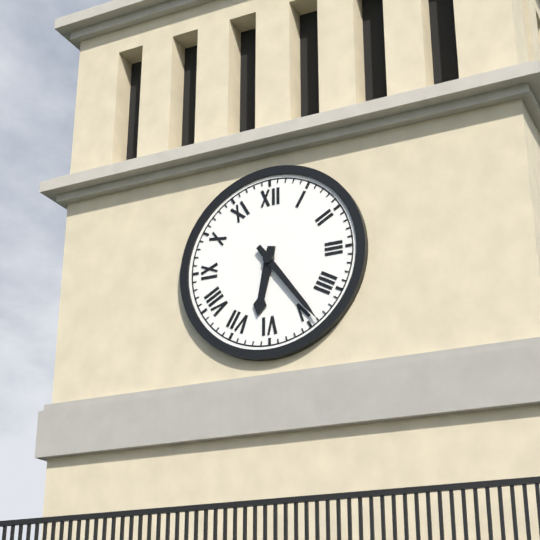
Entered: 6 h 24 min
